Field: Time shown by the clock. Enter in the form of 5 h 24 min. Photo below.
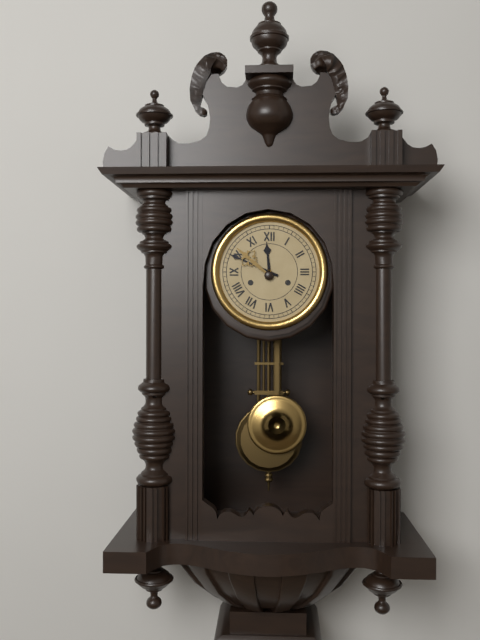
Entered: 11 h 49 min
